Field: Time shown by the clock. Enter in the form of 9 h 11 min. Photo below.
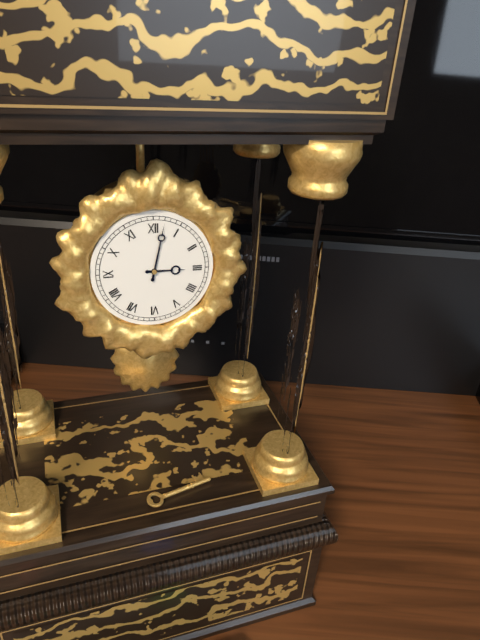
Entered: 3 h 02 min
